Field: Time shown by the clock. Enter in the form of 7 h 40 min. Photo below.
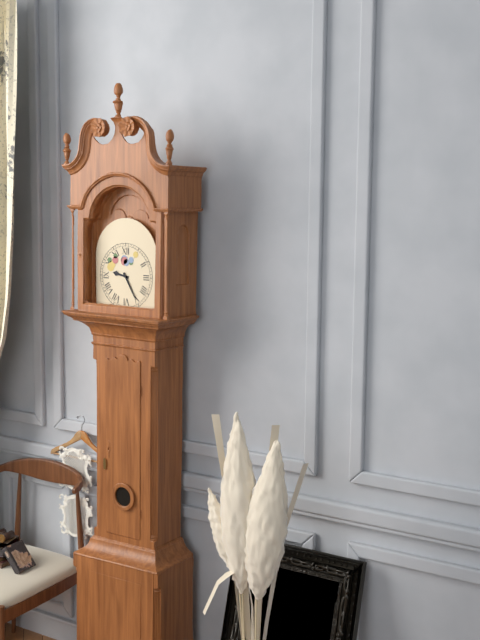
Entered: 9 h 25 min
